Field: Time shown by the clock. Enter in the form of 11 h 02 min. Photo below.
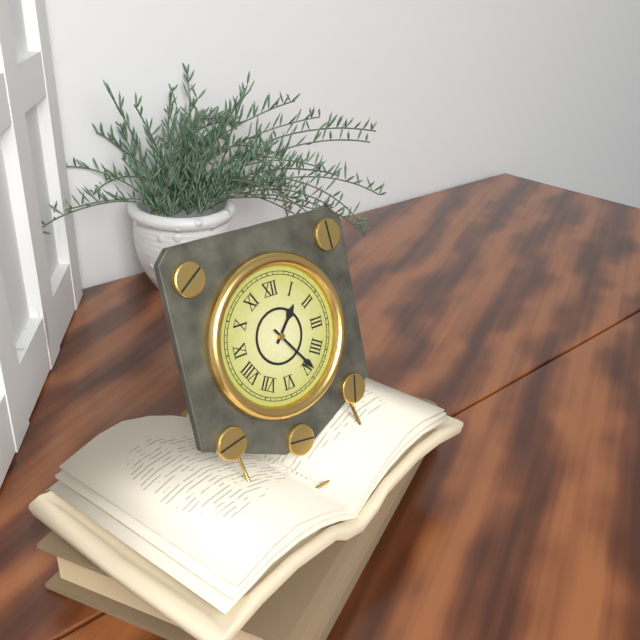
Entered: 1 h 24 min
